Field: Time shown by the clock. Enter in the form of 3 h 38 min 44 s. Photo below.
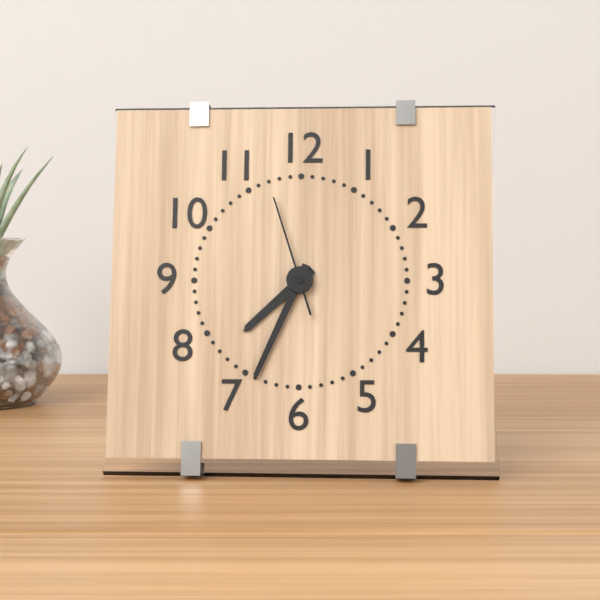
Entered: 7 h 34 min 57 s
